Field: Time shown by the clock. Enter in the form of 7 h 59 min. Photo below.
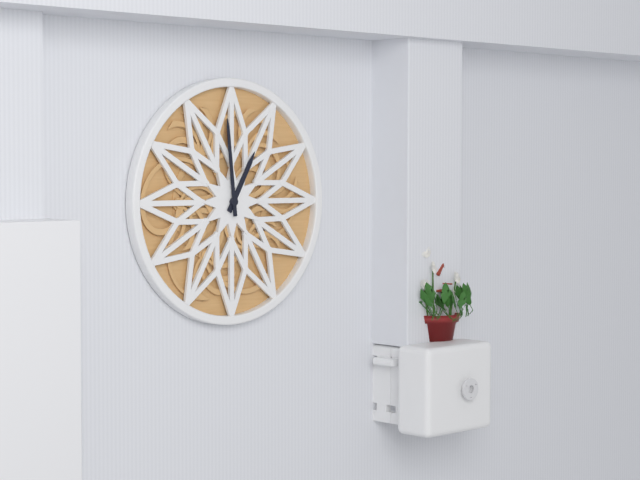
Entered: 12 h 59 min
